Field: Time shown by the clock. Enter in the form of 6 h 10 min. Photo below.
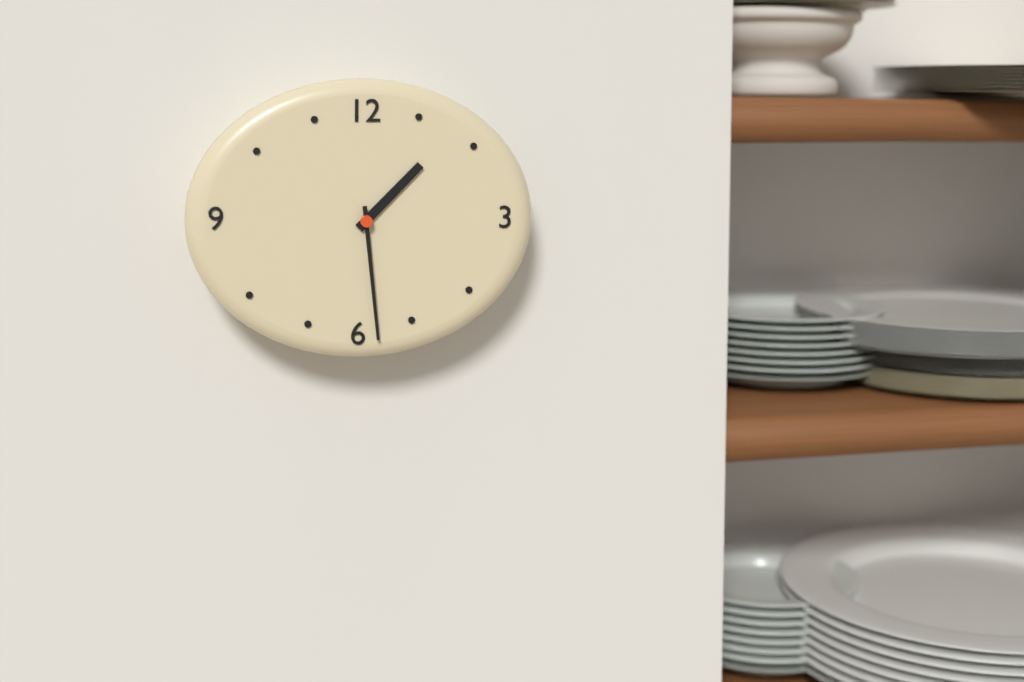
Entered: 1 h 29 min
